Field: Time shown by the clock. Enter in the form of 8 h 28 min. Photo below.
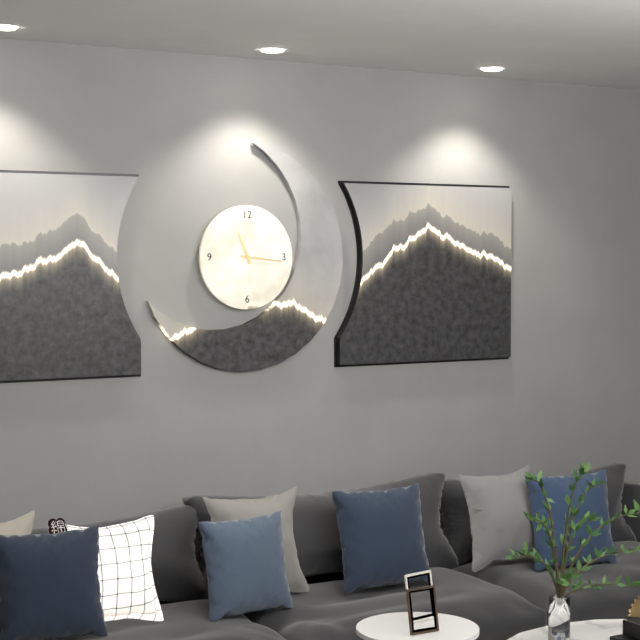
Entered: 11 h 16 min
